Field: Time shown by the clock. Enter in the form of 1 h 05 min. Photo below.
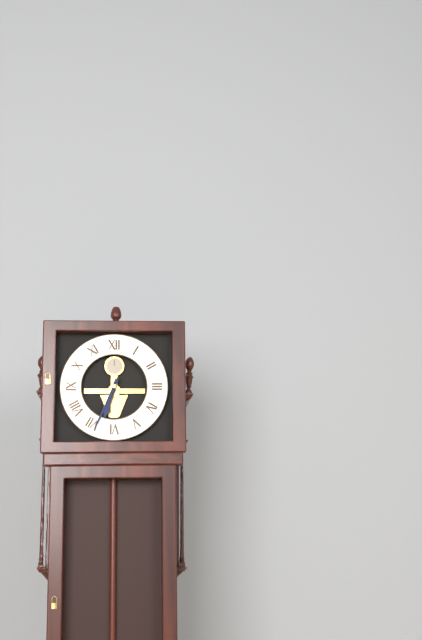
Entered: 6 h 34 min
